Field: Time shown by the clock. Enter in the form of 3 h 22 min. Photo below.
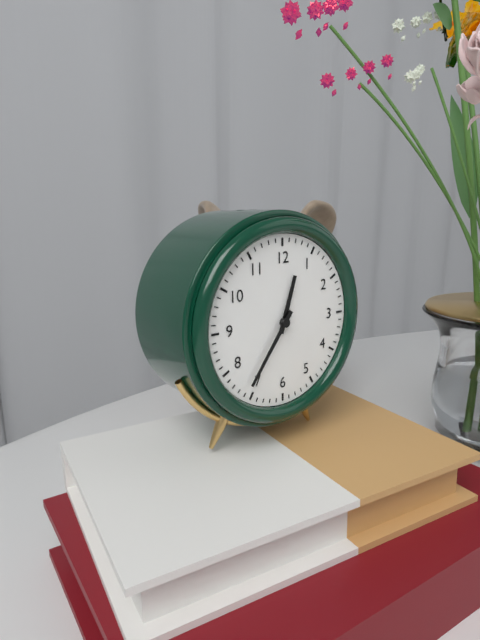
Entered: 12 h 36 min
